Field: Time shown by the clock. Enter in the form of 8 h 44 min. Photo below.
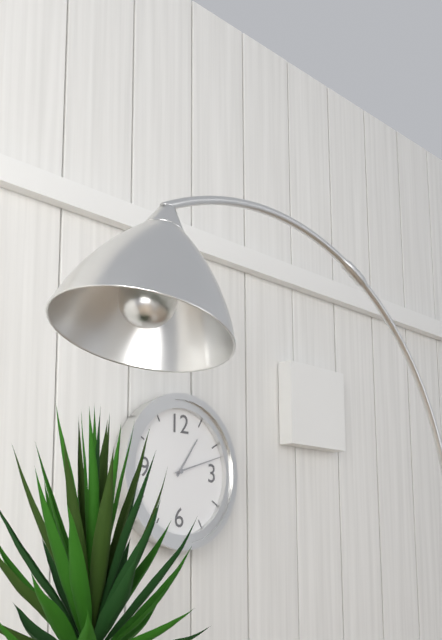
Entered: 1 h 12 min
